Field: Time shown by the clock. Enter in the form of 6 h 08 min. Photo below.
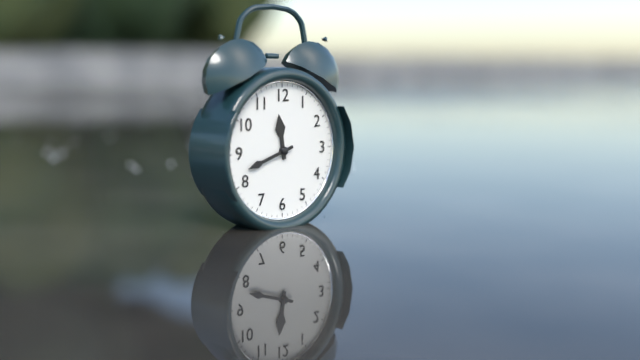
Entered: 11 h 42 min
